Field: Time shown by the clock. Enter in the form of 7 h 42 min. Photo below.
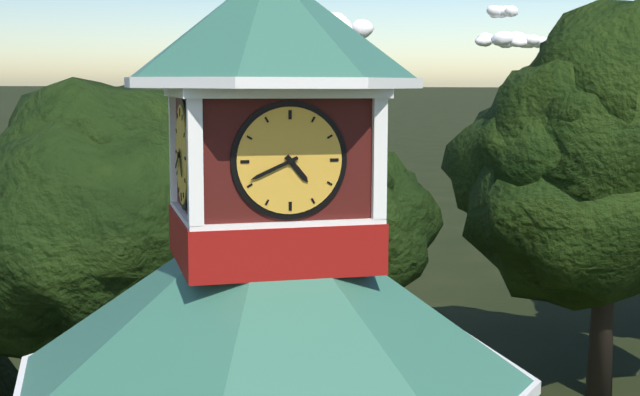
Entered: 4 h 41 min
